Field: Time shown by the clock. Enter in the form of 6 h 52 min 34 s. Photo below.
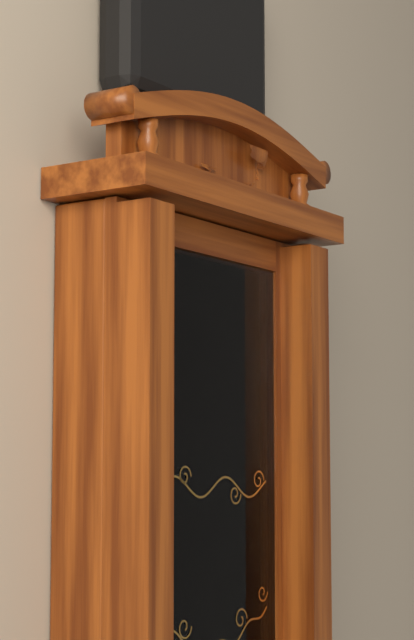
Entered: 1 h 19 min 08 s
